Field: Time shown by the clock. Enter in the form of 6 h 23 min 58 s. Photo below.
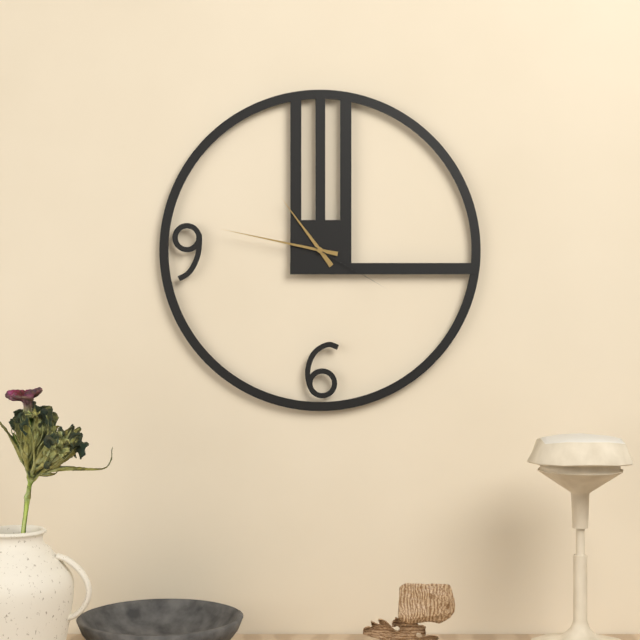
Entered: 10 h 47 min 20 s
